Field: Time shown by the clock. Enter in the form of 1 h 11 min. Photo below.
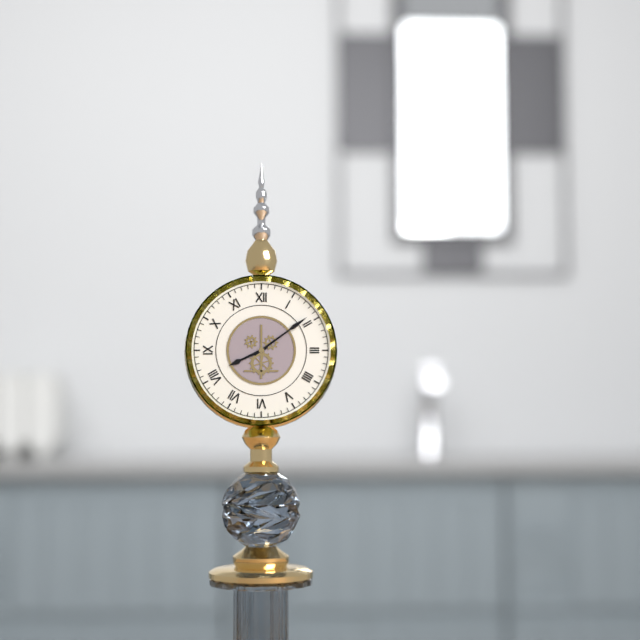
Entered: 8 h 09 min
